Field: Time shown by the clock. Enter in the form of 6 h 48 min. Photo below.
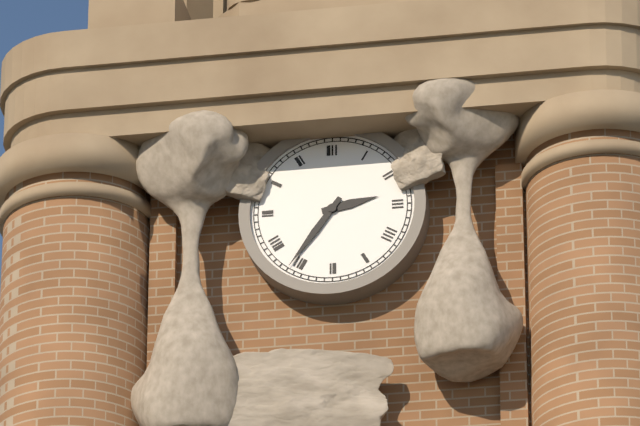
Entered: 2 h 36 min
